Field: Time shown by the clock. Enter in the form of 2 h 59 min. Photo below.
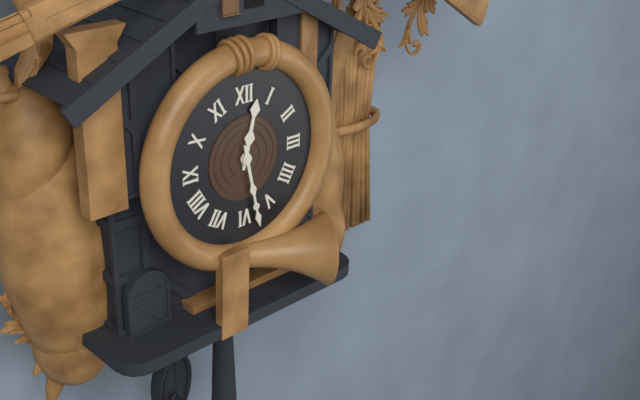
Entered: 12 h 28 min
